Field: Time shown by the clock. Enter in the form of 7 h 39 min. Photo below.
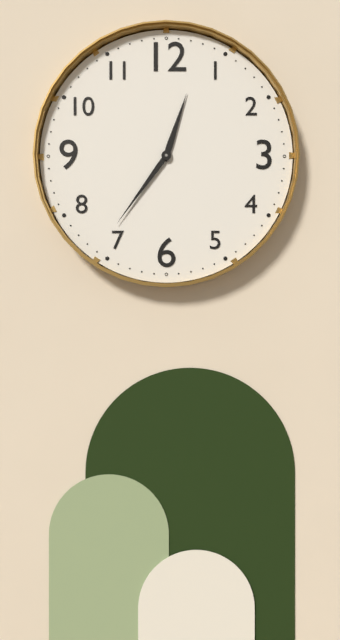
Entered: 12 h 36 min
